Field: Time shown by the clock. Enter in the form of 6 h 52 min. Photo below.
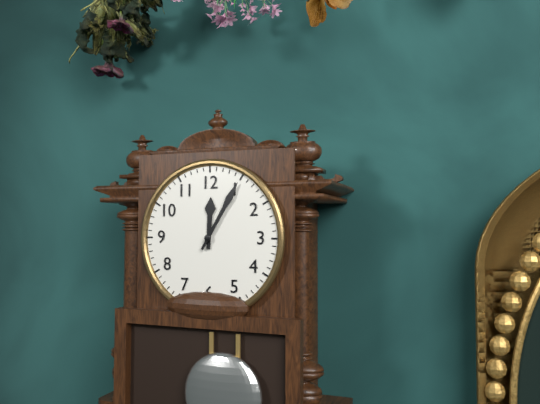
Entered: 12 h 05 min
